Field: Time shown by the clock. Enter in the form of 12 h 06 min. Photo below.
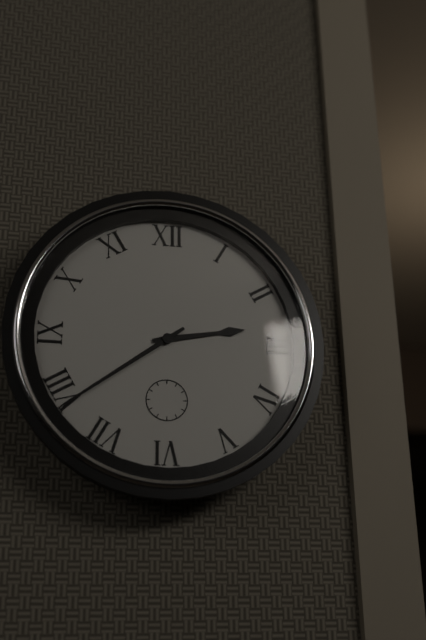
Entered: 2 h 39 min
